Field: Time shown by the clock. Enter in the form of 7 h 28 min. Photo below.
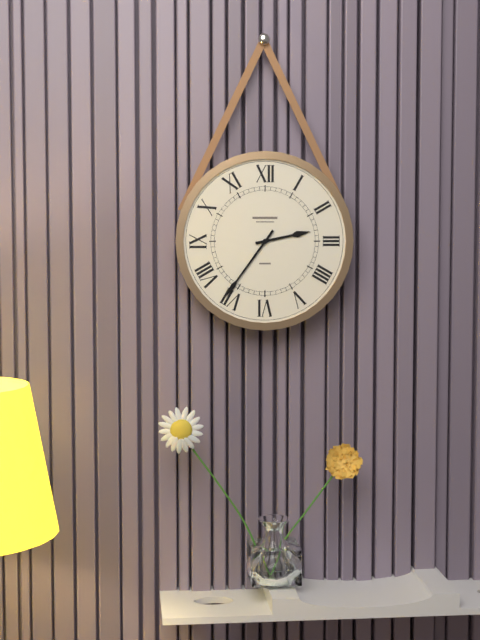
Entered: 2 h 36 min
